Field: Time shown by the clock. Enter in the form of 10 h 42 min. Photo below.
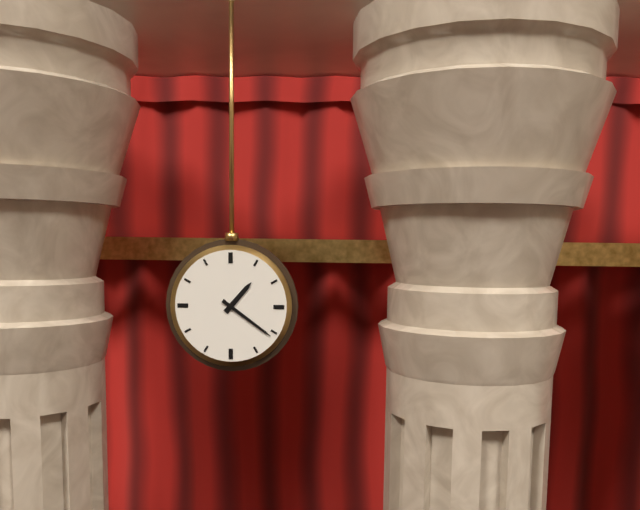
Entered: 1 h 21 min
